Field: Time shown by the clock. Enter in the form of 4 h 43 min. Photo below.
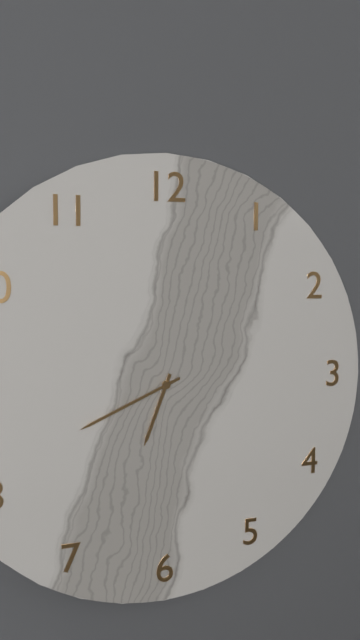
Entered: 6 h 41 min
